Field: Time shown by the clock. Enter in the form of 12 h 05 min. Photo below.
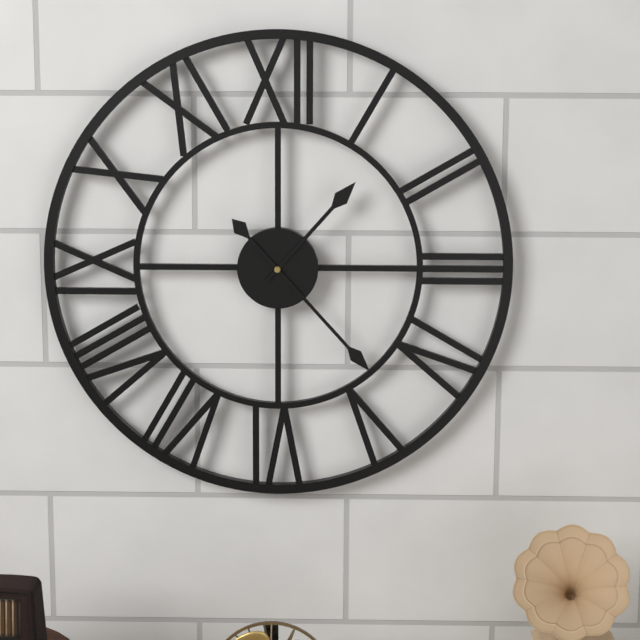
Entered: 1 h 23 min
